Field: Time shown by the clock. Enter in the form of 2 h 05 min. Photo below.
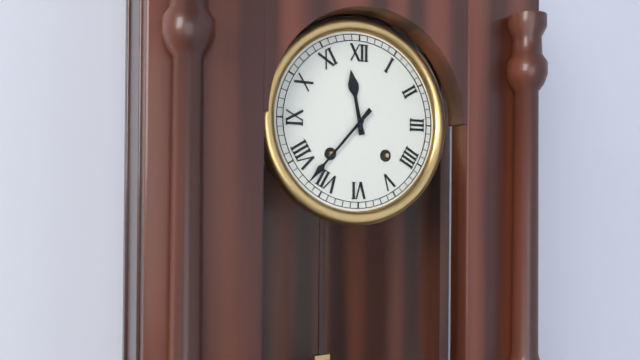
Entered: 11 h 37 min
